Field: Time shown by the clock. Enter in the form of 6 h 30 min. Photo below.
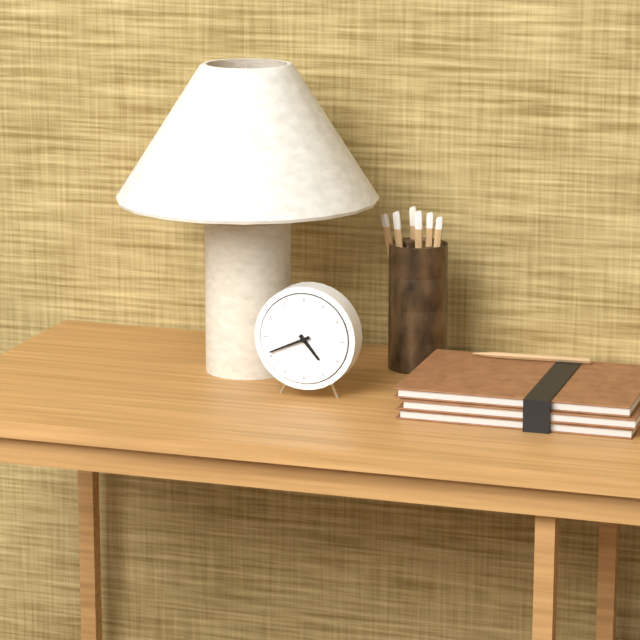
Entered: 4 h 41 min
